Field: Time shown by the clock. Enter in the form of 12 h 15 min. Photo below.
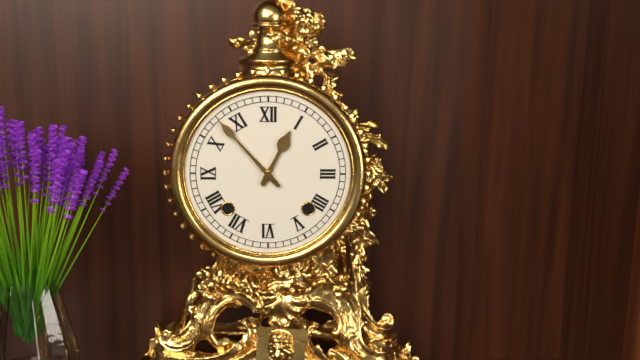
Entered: 12 h 53 min
